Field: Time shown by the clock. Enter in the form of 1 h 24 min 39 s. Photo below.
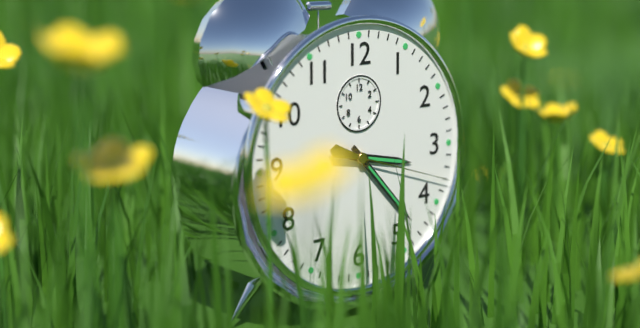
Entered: 3 h 23 min 18 s
